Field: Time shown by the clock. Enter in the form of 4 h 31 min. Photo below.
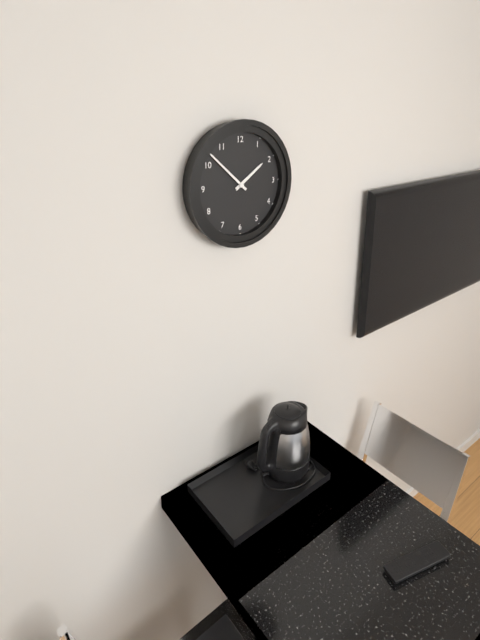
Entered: 1 h 52 min
